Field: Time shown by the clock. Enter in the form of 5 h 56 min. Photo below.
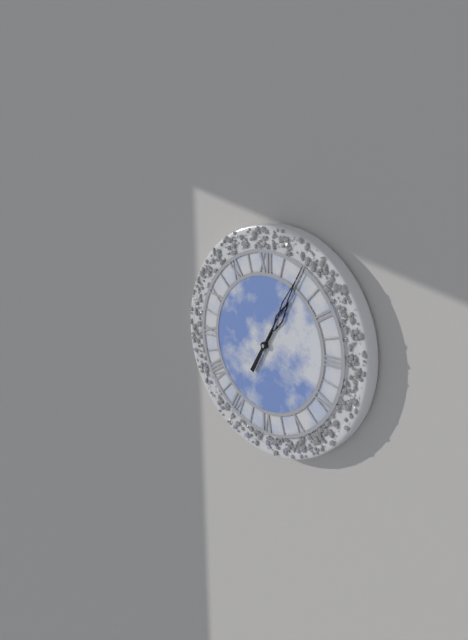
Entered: 1 h 05 min
